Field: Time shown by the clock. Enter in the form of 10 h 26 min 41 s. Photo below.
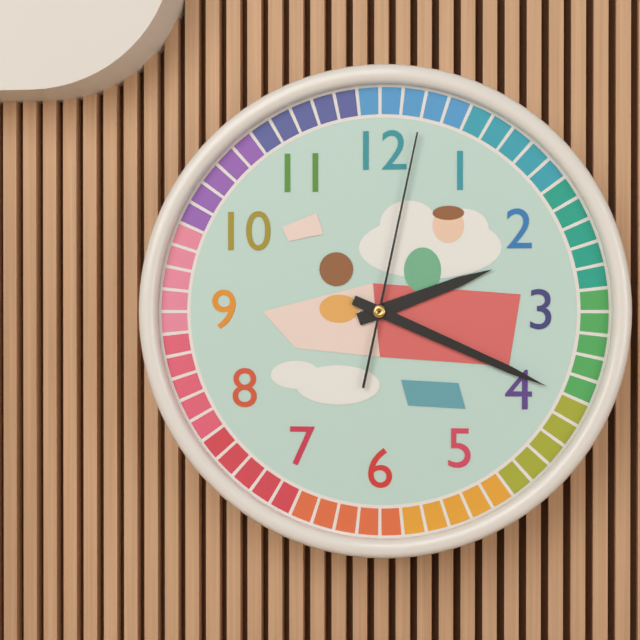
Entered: 2 h 19 min 02 s
